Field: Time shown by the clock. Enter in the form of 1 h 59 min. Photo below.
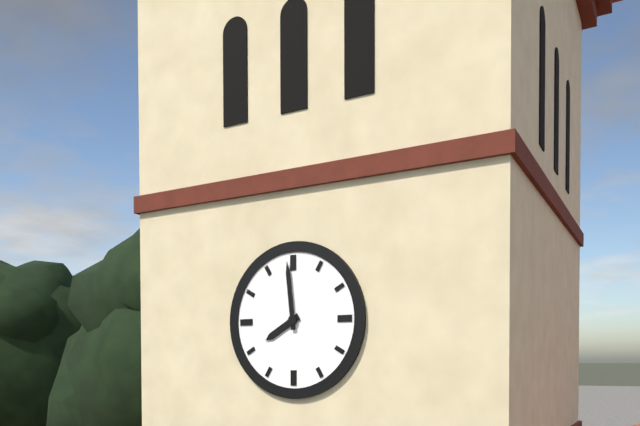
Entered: 7 h 59 min
